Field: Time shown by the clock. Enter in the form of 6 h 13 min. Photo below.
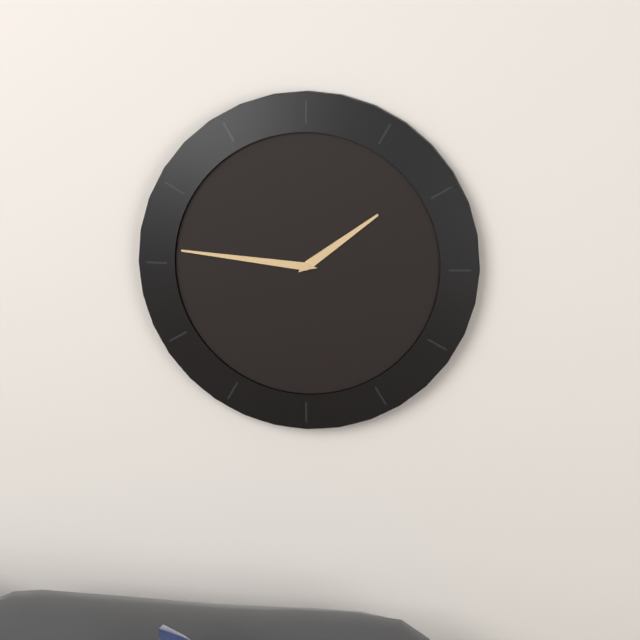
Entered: 1 h 46 min
